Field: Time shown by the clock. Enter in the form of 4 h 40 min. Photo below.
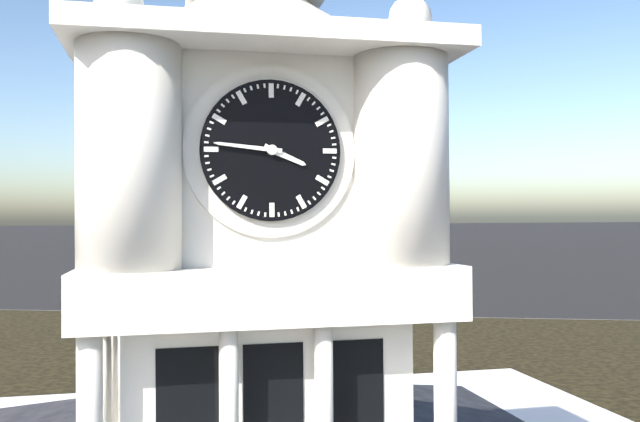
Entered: 3 h 46 min
